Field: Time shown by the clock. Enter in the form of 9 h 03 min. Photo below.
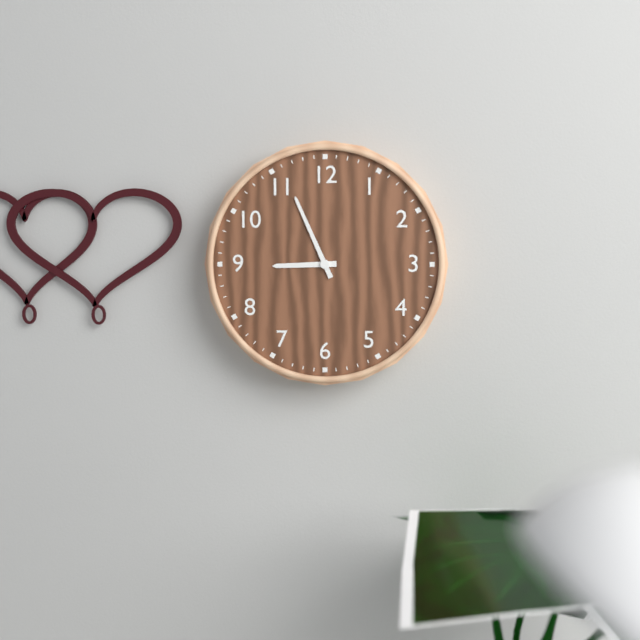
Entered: 8 h 56 min
